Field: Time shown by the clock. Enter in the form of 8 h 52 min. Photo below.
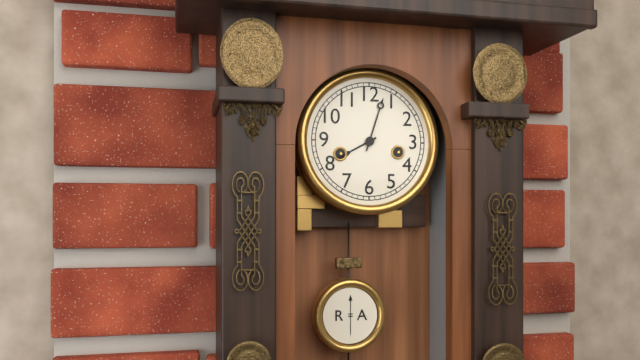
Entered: 8 h 03 min
